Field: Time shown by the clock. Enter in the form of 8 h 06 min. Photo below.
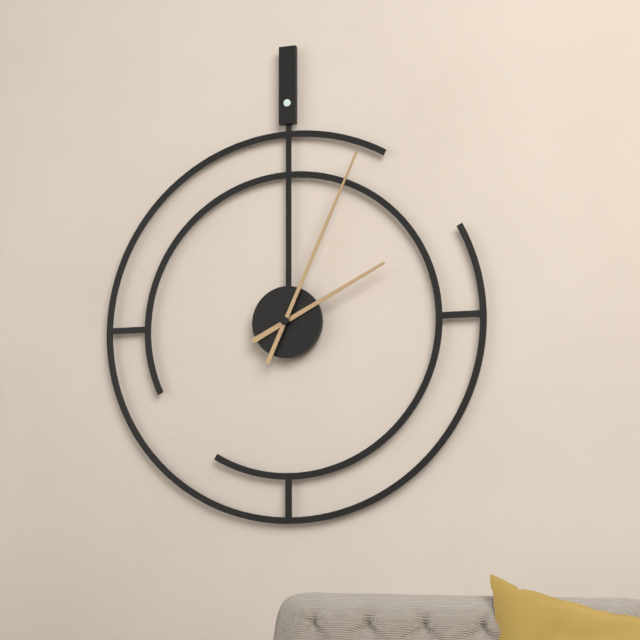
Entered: 2 h 04 min
